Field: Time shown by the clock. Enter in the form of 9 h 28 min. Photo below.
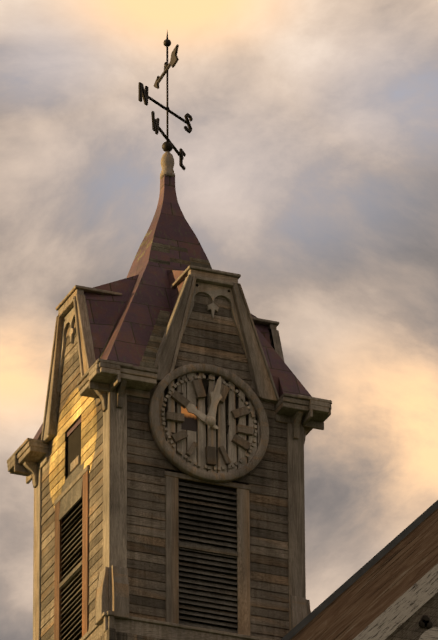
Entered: 10 h 02 min
